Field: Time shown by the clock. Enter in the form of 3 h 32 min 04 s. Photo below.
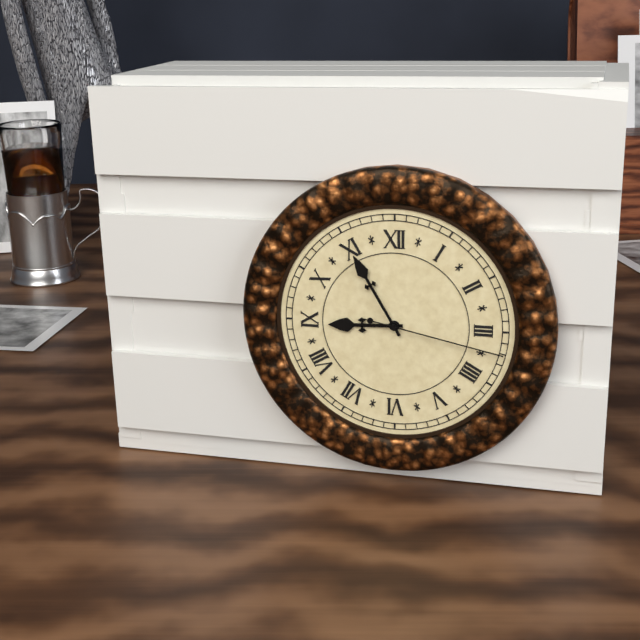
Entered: 8 h 55 min 17 s
